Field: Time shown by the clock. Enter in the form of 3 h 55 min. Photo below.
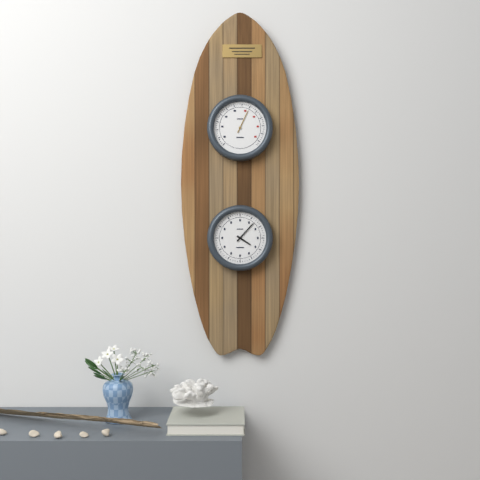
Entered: 4 h 07 min
